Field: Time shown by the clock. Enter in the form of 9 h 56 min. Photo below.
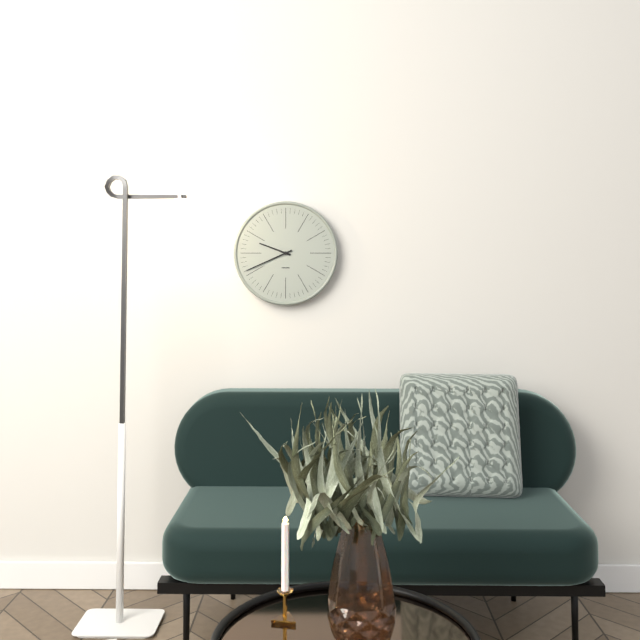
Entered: 9 h 41 min
